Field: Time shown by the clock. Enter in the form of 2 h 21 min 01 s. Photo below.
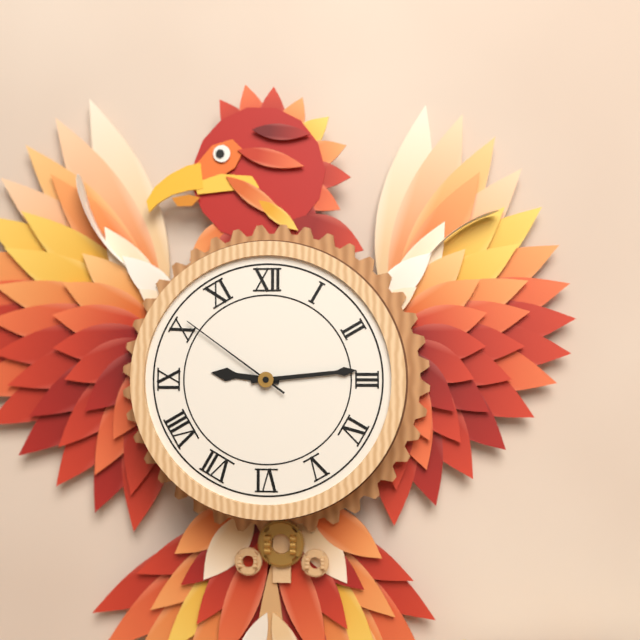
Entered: 9 h 14 min 51 s
